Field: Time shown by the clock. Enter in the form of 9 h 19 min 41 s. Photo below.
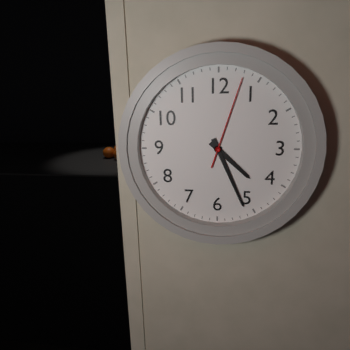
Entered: 4 h 26 min 03 s
